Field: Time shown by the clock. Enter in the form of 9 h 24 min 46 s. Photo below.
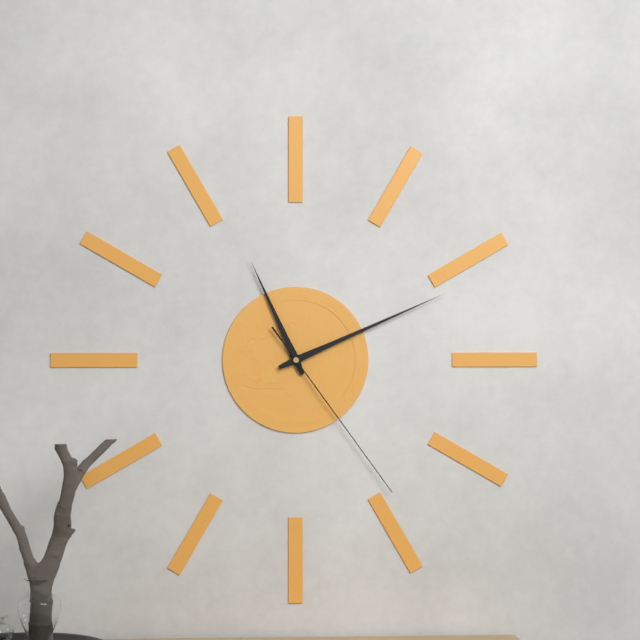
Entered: 11 h 11 min 24 s
